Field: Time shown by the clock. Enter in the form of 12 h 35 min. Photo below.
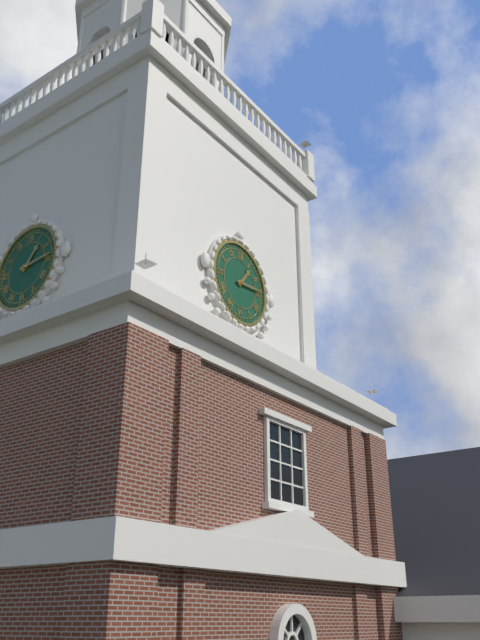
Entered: 1 h 14 min
